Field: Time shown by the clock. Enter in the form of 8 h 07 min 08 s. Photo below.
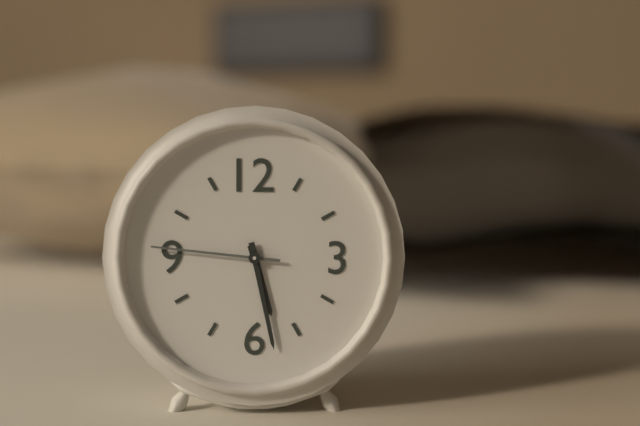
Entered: 5 h 28 min 46 s
